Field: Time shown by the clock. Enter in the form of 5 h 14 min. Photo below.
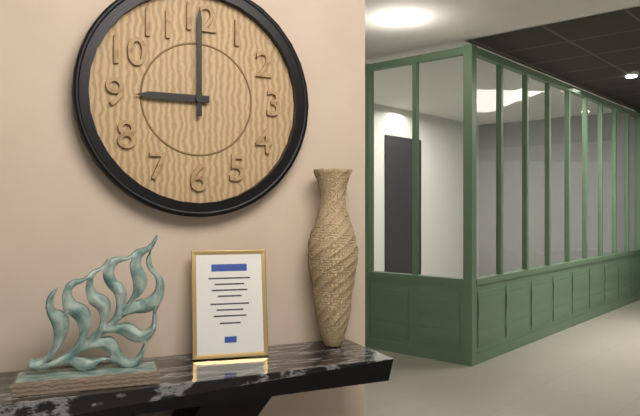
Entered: 9 h 00 min
